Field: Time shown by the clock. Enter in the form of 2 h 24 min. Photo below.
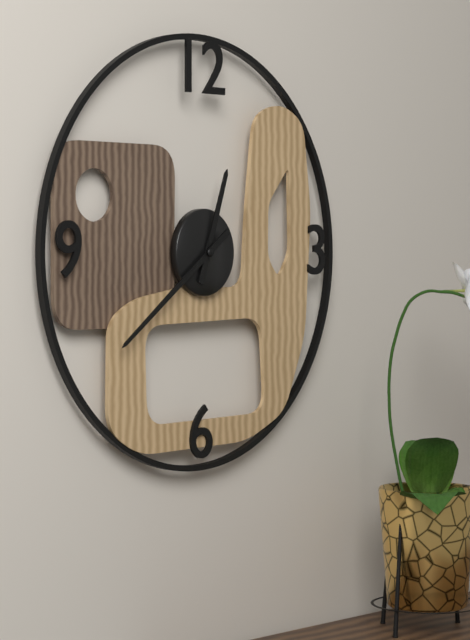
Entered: 12 h 39 min
